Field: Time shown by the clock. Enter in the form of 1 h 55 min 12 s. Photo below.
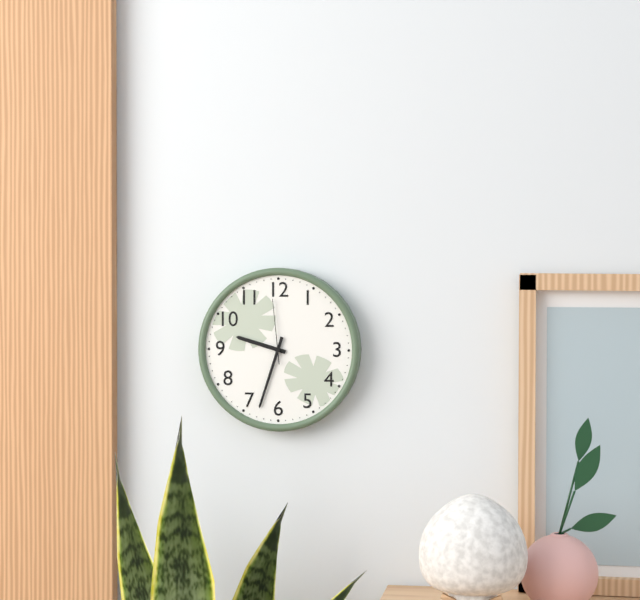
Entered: 9 h 33 min 59 s
